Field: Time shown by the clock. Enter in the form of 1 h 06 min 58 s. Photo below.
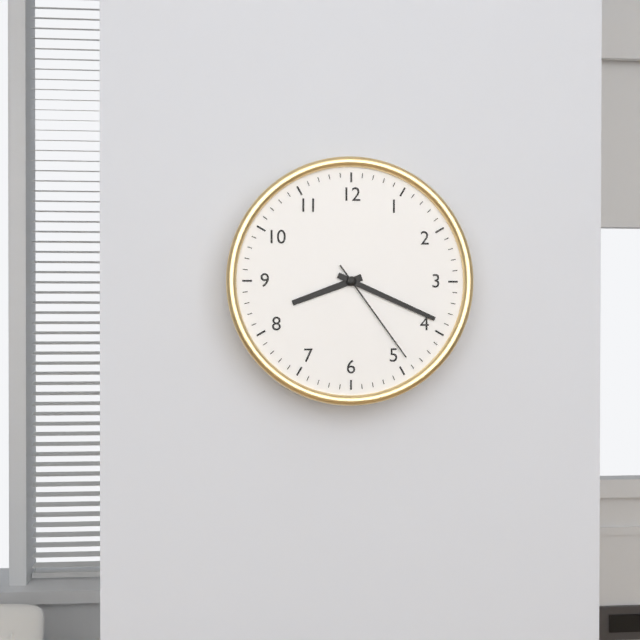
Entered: 8 h 19 min 24 s
